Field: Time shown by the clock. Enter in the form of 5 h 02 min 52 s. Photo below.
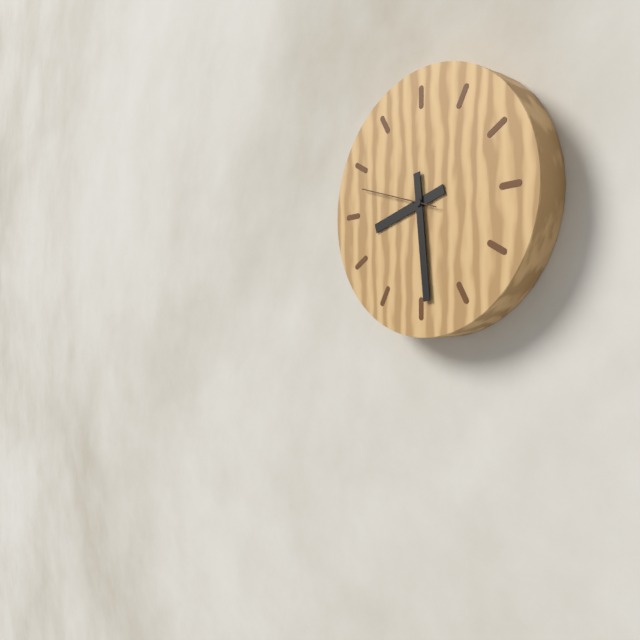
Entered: 8 h 29 min 48 s
